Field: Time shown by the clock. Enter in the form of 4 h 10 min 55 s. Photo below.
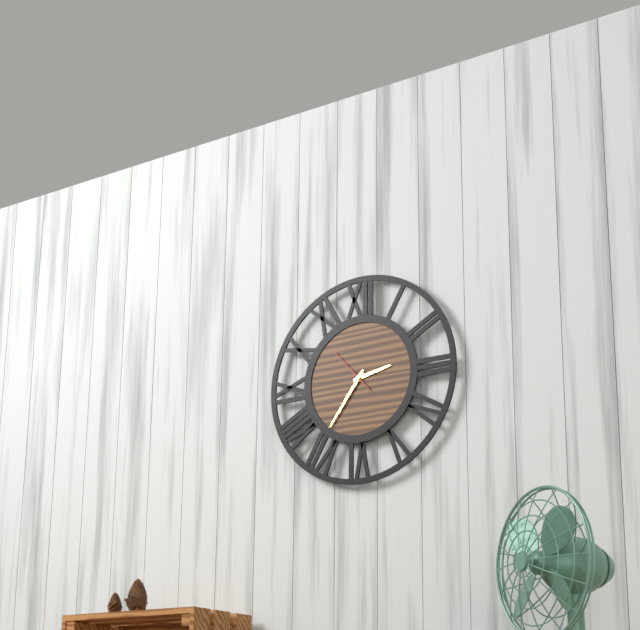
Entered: 2 h 36 min 53 s
